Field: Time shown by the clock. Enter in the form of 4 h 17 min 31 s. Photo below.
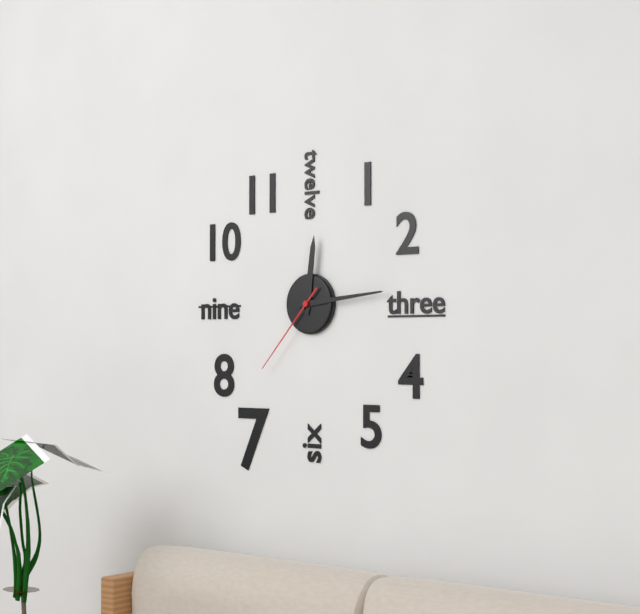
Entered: 12 h 14 min 37 s
